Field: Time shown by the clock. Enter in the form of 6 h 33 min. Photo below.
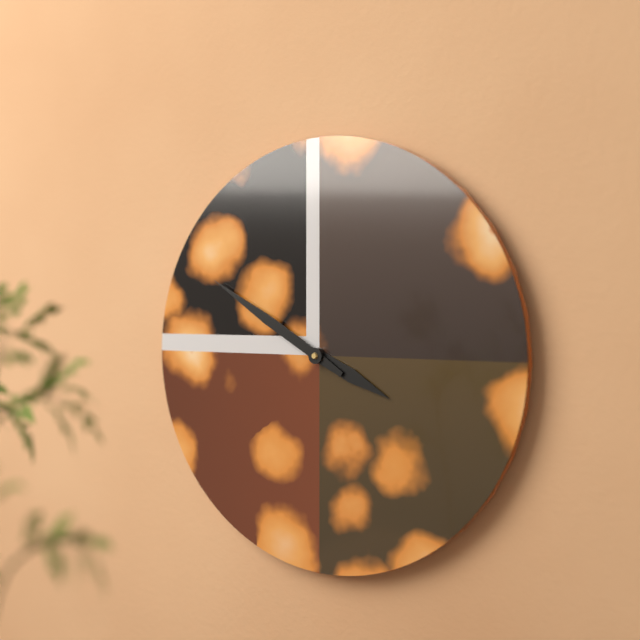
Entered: 3 h 50 min
